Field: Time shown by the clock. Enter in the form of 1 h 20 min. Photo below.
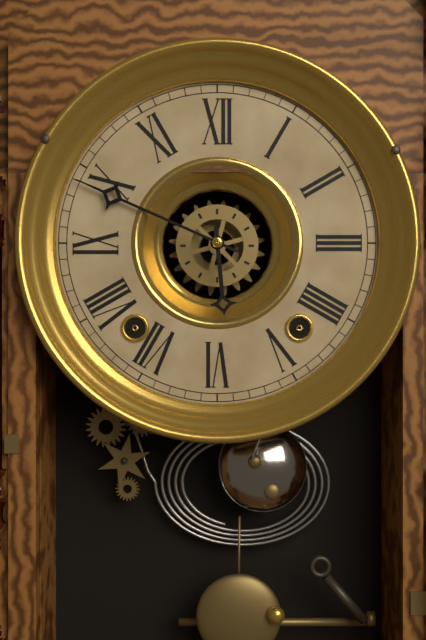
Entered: 5 h 49 min
